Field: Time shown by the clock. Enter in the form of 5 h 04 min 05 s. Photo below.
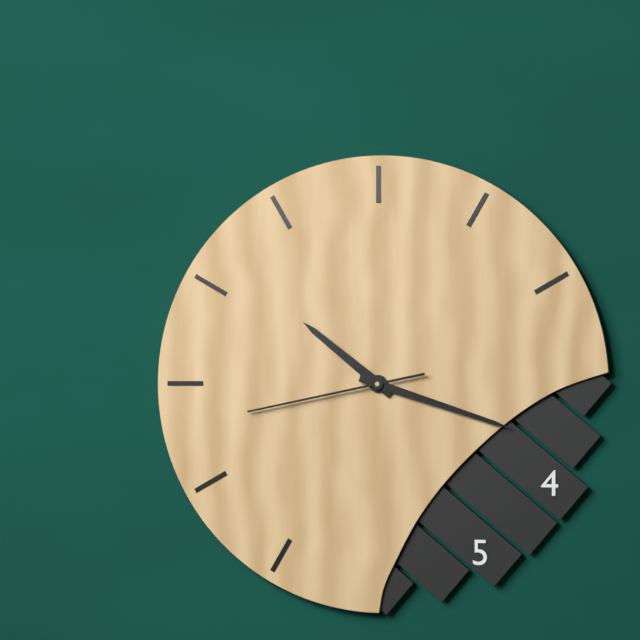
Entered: 10 h 18 min 43 s
